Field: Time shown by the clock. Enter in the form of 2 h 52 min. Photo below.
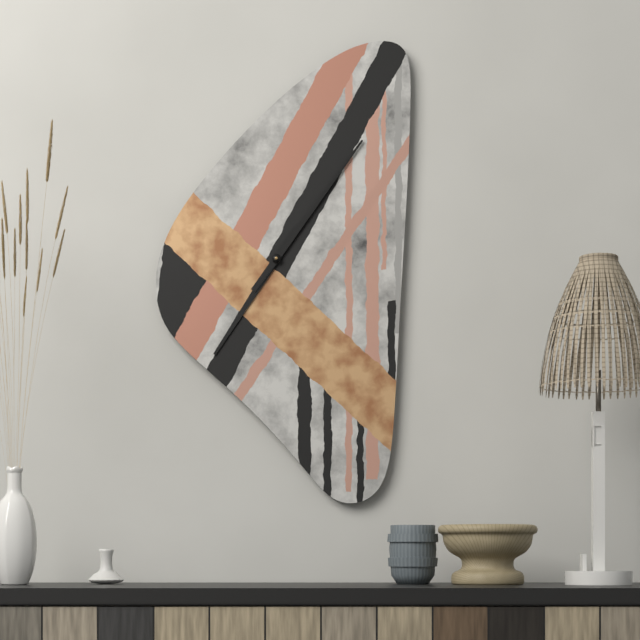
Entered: 7 h 06 min
